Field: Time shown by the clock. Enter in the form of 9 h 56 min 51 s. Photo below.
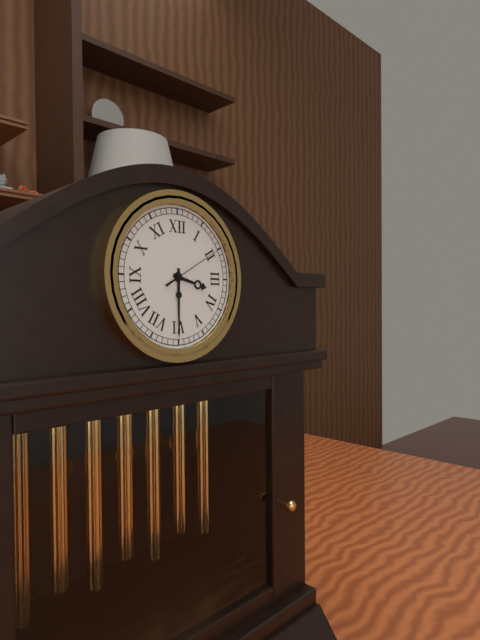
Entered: 3 h 30 min 10 s
